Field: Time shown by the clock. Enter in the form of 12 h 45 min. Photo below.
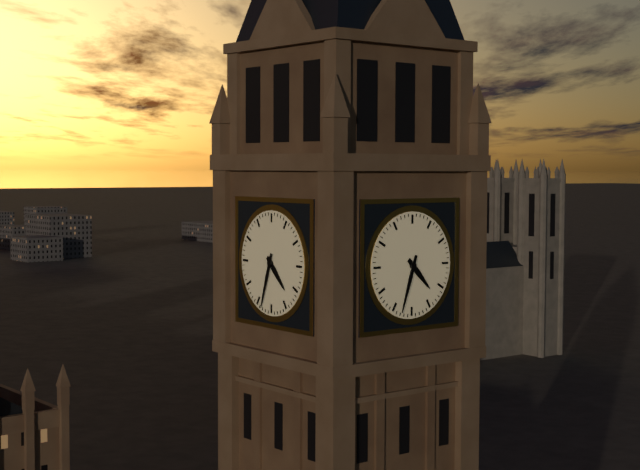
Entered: 4 h 33 min
